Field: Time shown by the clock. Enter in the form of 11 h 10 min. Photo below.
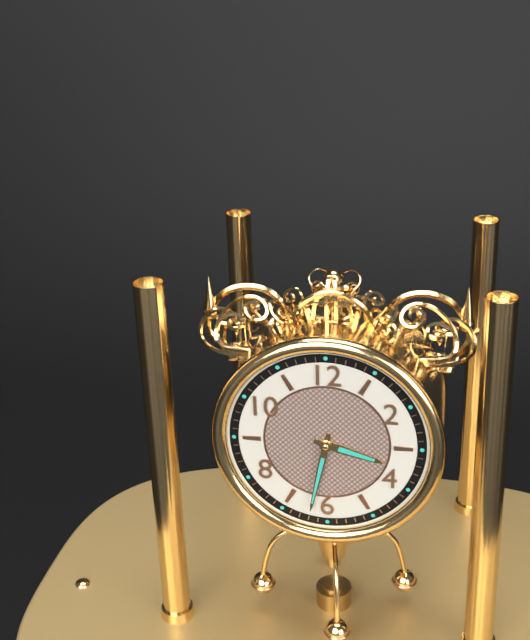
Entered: 3 h 32 min
